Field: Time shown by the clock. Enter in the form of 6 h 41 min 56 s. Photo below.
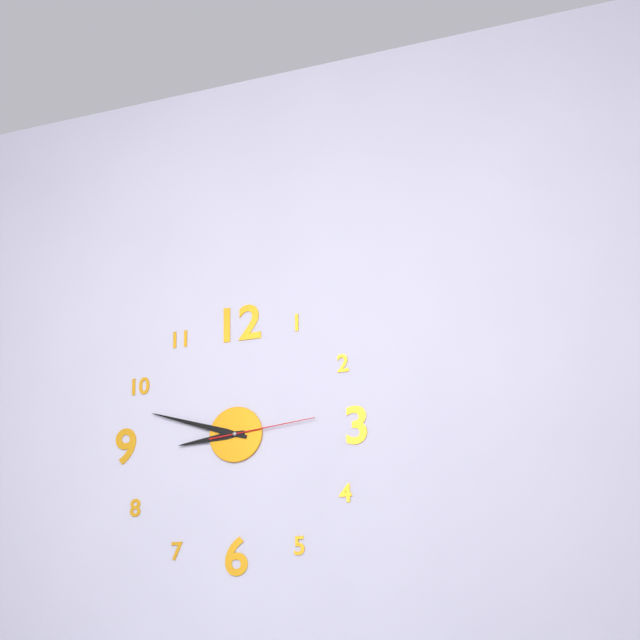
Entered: 8 h 48 min 14 s
